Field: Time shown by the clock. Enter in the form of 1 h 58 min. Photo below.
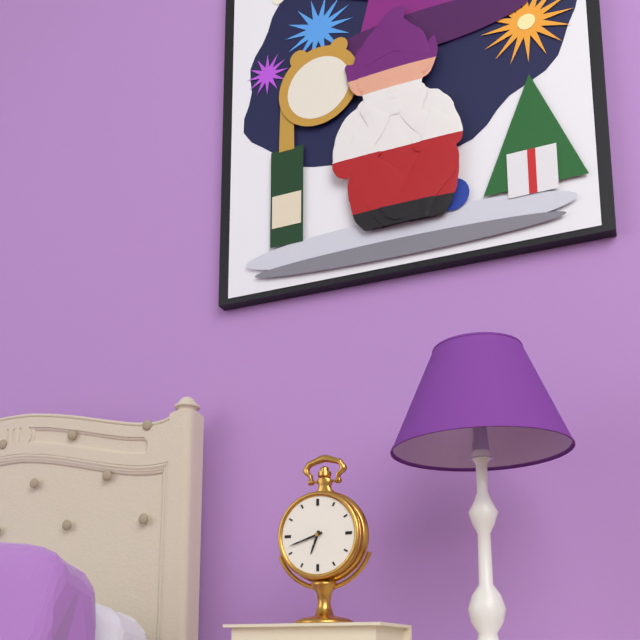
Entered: 6 h 42 min
